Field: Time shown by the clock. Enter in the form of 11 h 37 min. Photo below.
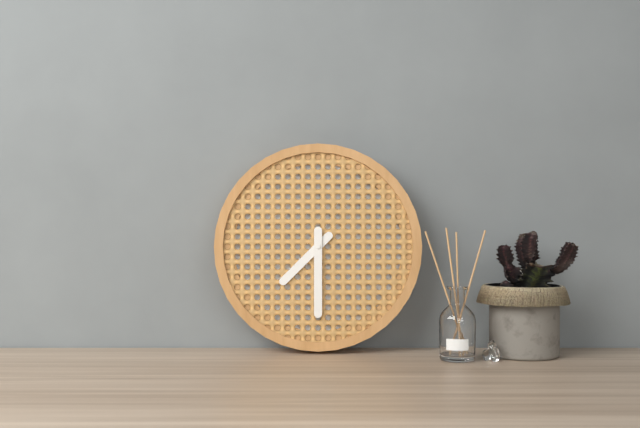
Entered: 7 h 30 min
